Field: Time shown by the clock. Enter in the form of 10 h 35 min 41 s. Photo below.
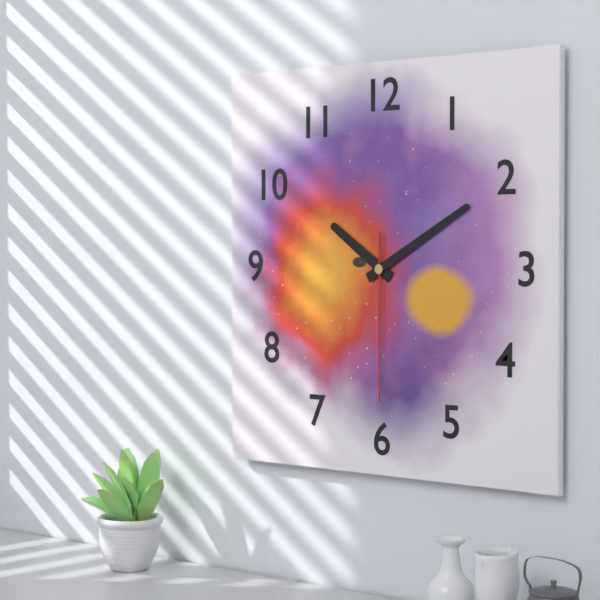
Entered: 10 h 10 min 30 s
